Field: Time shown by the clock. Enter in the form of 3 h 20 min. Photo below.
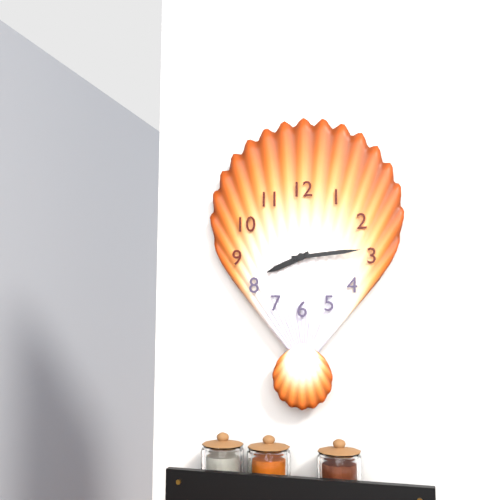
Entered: 8 h 14 min
